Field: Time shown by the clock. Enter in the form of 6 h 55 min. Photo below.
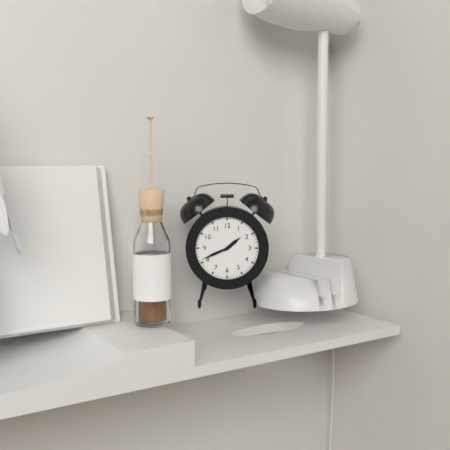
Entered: 1 h 41 min
